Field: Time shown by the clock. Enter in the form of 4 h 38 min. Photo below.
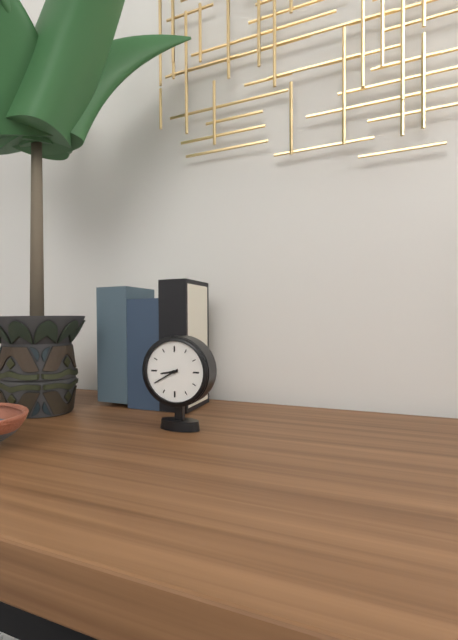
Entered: 8 h 40 min
